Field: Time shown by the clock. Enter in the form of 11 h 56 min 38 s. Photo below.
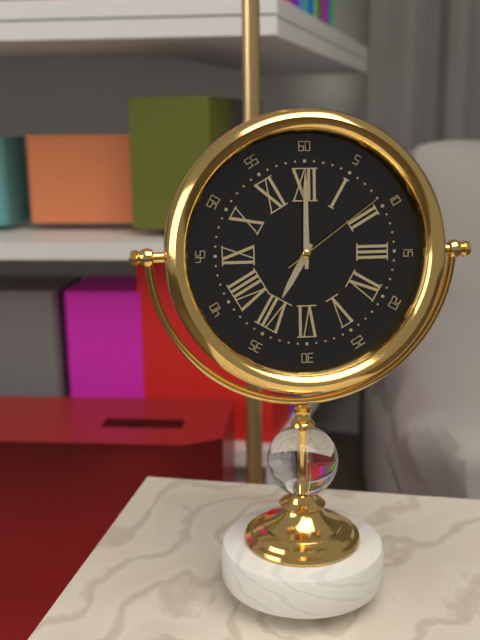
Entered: 7 h 00 min 09 s
